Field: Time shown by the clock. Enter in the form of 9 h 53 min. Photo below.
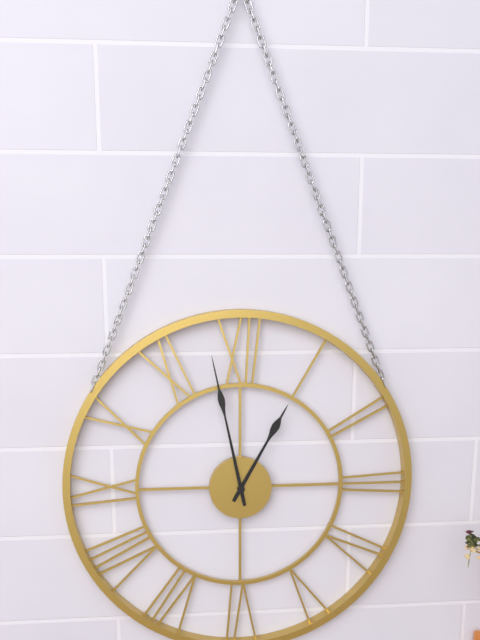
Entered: 12 h 58 min
